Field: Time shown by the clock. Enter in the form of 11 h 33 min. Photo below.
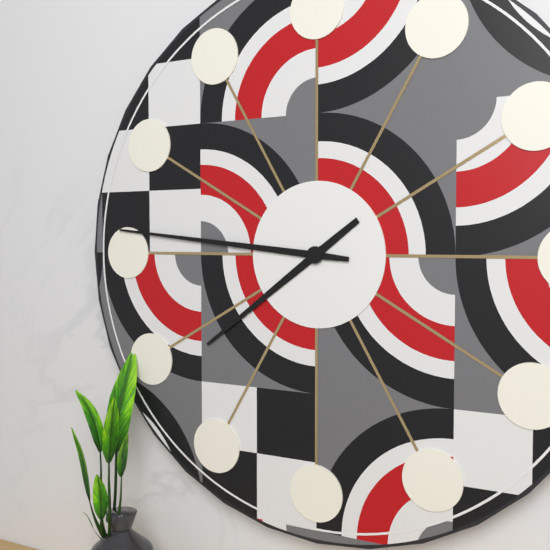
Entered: 7 h 46 min
